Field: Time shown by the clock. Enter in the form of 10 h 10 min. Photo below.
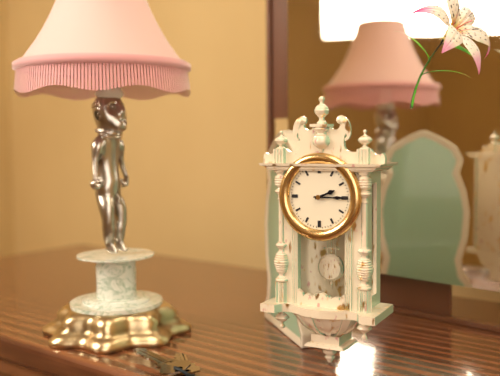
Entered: 2 h 15 min
